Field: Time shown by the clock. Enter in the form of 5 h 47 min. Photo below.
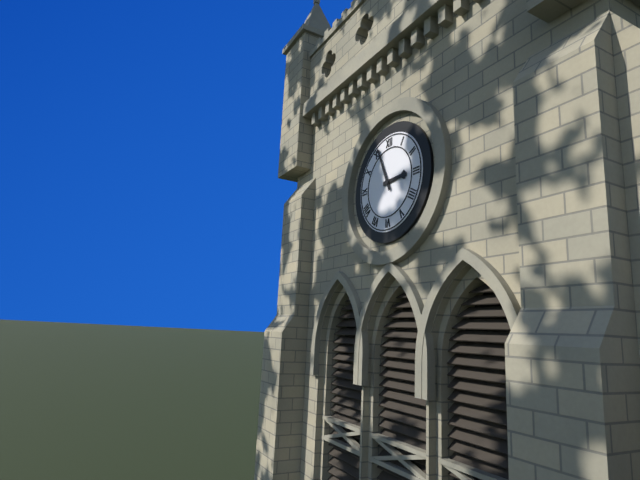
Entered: 2 h 56 min
